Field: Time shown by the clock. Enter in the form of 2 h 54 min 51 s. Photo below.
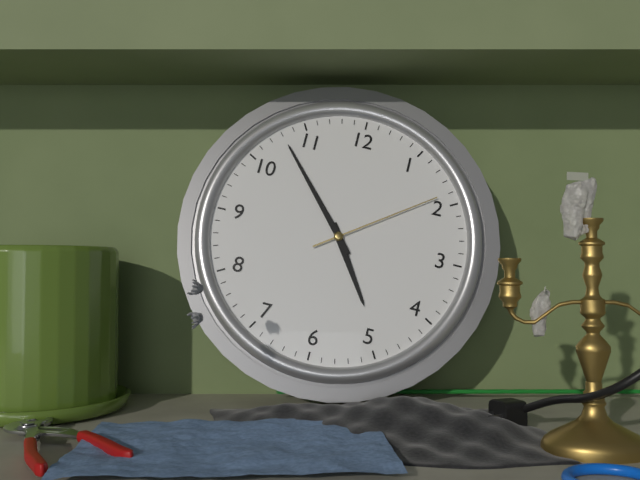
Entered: 4 h 53 min 09 s
